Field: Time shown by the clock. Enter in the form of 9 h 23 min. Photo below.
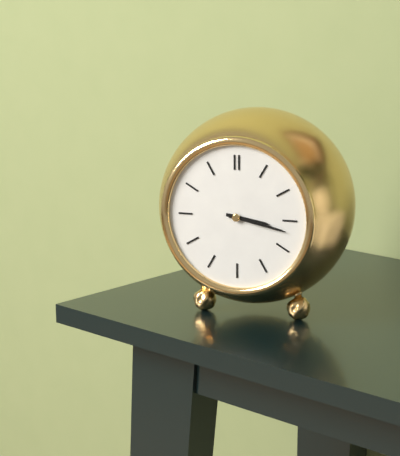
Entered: 3 h 17 min
